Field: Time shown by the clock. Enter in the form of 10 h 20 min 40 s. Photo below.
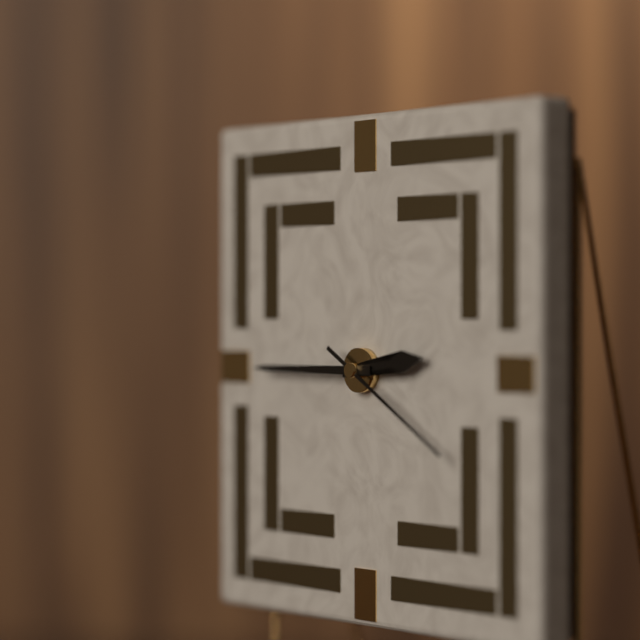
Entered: 2 h 45 min 20 s
